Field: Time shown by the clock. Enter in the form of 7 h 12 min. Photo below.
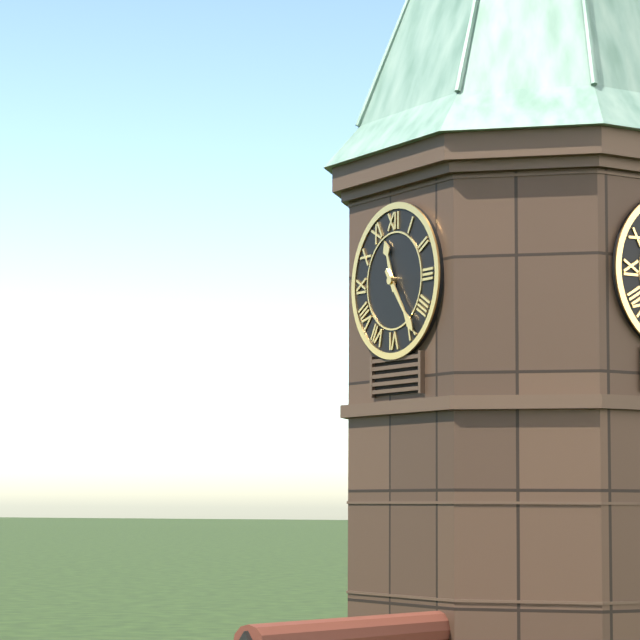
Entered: 11 h 24 min
